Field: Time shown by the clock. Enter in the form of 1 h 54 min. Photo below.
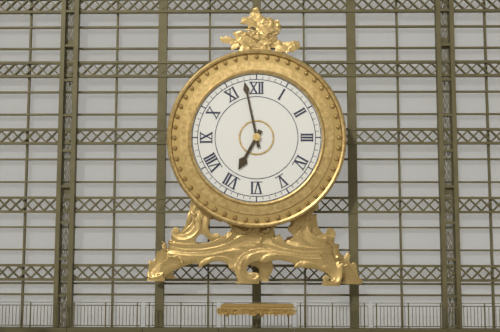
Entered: 6 h 58 min
